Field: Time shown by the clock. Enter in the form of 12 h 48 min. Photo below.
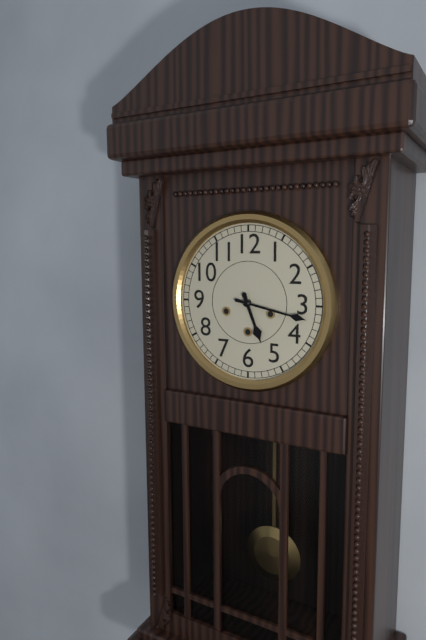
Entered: 5 h 17 min
